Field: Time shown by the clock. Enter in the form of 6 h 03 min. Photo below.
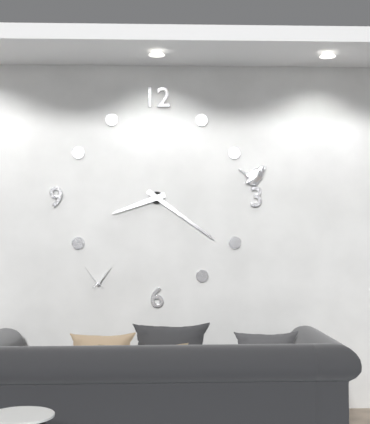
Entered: 8 h 21 min
